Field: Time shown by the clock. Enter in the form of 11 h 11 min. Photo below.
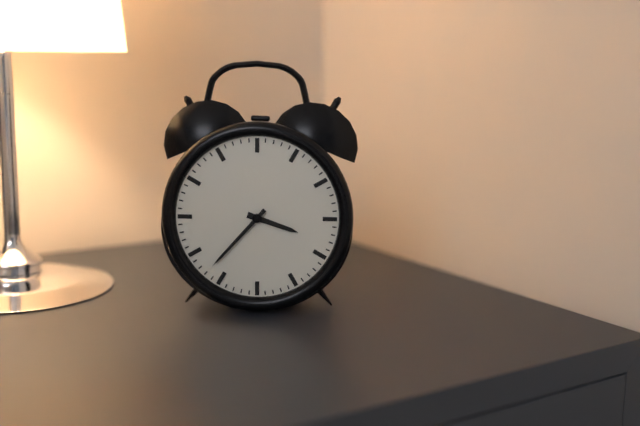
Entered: 3 h 37 min
